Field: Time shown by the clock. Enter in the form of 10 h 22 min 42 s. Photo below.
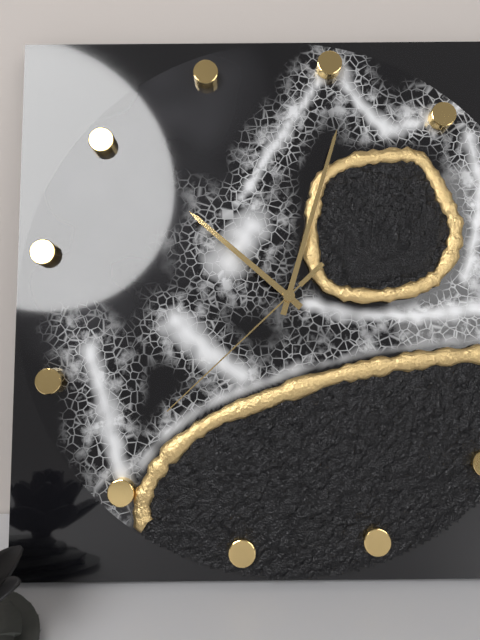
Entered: 10 h 01 min 36 s
